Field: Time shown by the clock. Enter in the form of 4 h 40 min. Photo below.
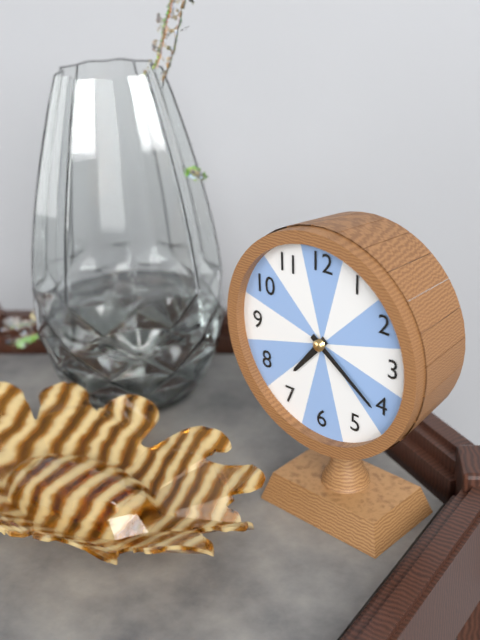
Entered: 7 h 21 min
